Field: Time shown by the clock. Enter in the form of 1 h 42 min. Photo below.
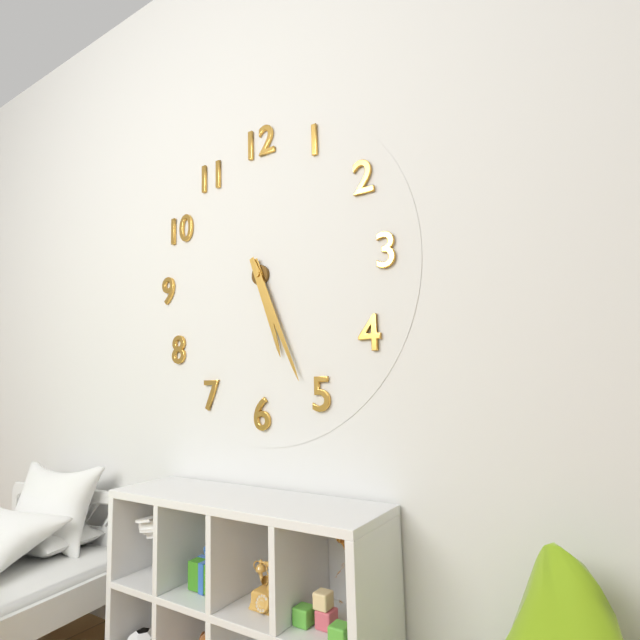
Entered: 5 h 26 min
